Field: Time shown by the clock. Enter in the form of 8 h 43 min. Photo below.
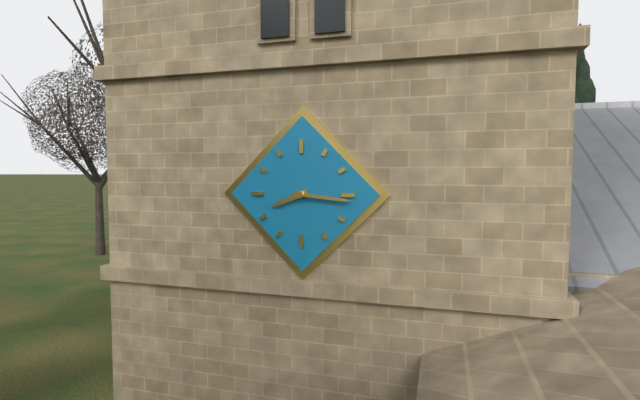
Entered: 8 h 16 min
